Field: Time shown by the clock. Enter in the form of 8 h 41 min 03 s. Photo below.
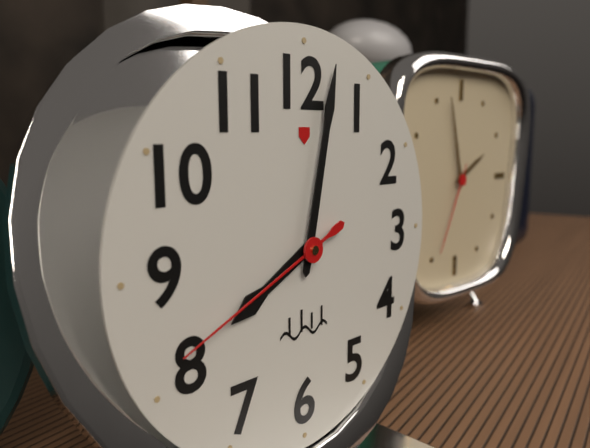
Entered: 8 h 02 min 41 s
